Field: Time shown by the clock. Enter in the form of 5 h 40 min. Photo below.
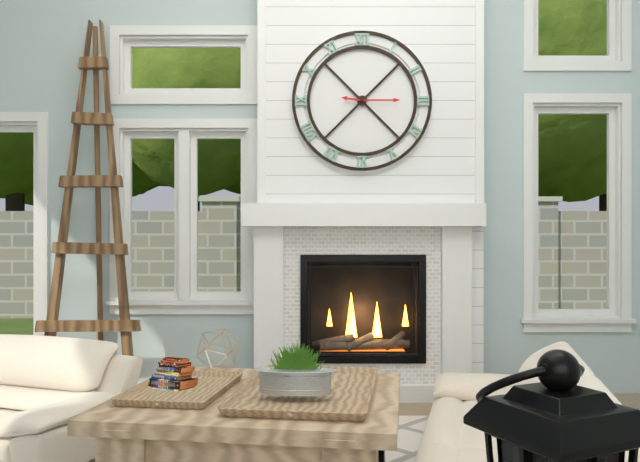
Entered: 9 h 15 min
